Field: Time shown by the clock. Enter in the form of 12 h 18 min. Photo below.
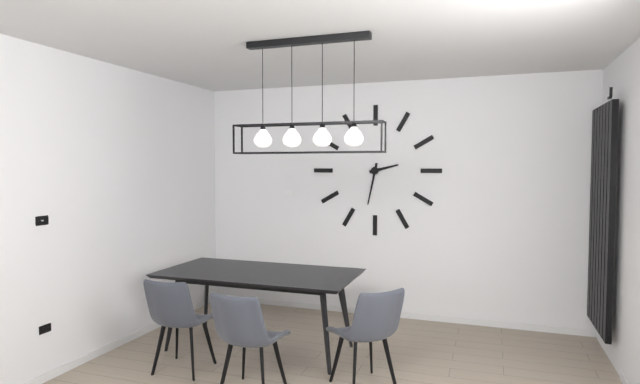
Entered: 2 h 32 min
